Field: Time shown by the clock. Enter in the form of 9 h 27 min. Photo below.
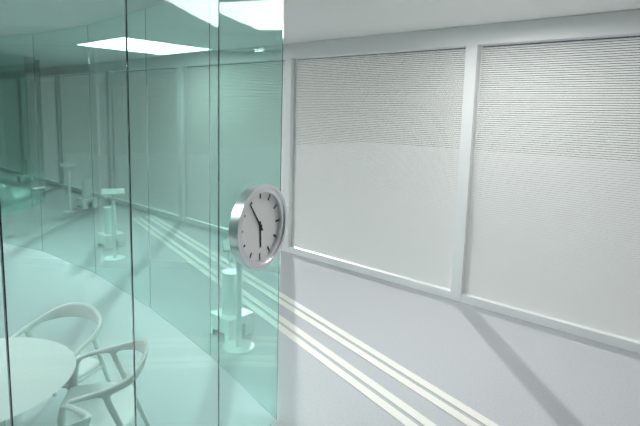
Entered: 5 h 54 min
